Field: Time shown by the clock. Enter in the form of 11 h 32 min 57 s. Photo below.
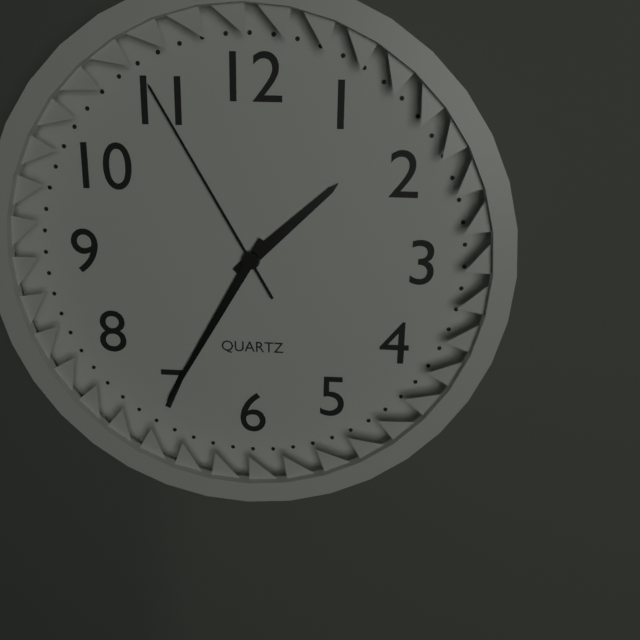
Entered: 1 h 35 min 55 s
